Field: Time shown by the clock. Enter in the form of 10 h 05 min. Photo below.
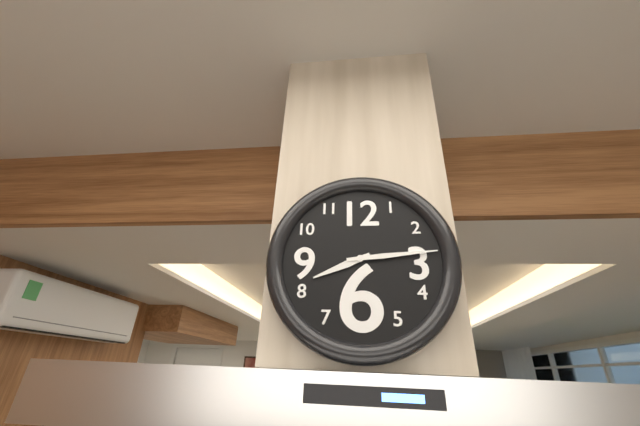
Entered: 8 h 14 min
